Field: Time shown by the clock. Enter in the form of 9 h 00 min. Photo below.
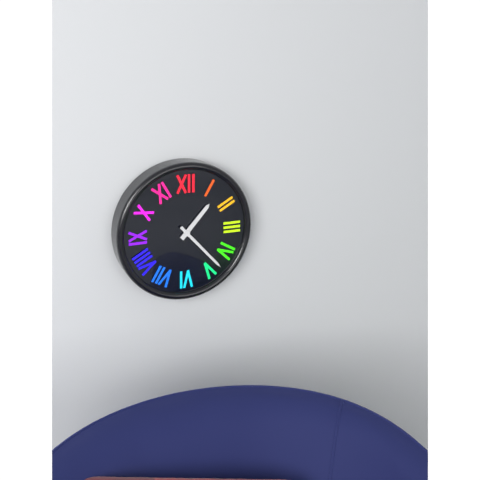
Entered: 1 h 23 min
